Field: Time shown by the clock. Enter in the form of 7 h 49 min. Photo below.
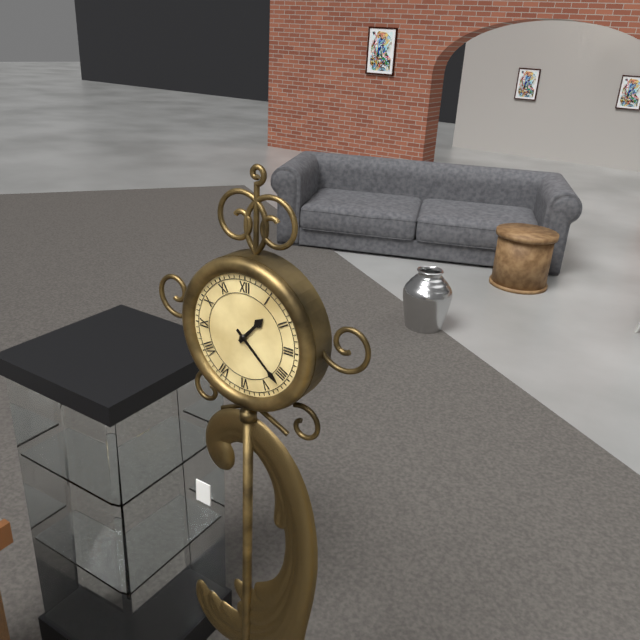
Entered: 1 h 22 min
